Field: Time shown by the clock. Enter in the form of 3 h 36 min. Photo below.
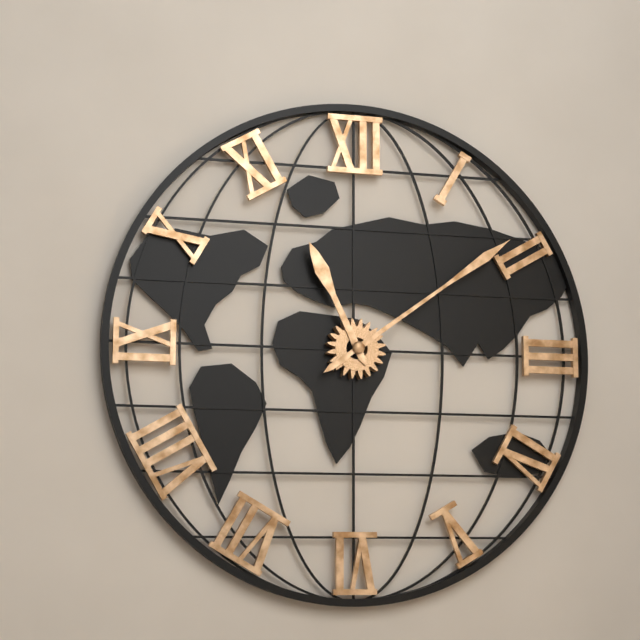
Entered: 11 h 09 min
